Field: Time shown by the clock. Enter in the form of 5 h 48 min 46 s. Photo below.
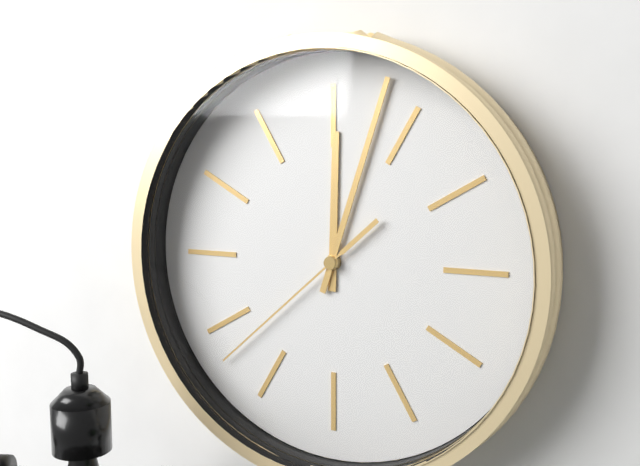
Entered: 12 h 03 min 38 s
